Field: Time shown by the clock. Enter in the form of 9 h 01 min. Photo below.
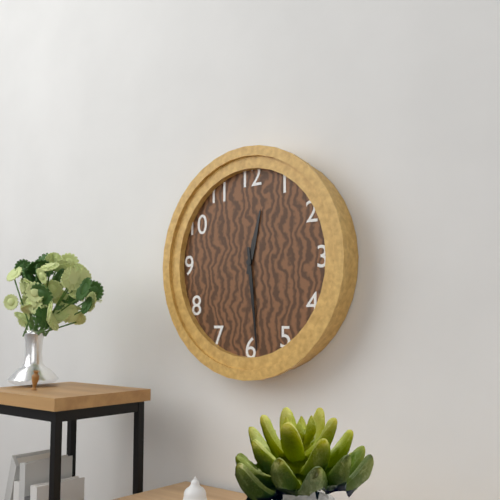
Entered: 12 h 29 min
